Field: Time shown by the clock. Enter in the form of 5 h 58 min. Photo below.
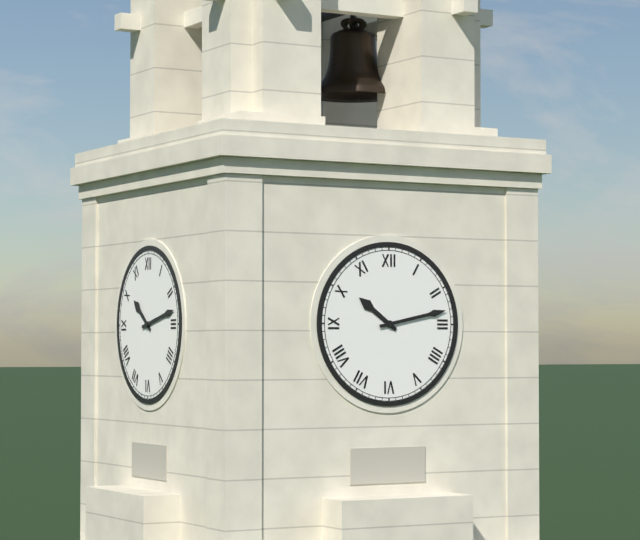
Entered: 10 h 13 min
